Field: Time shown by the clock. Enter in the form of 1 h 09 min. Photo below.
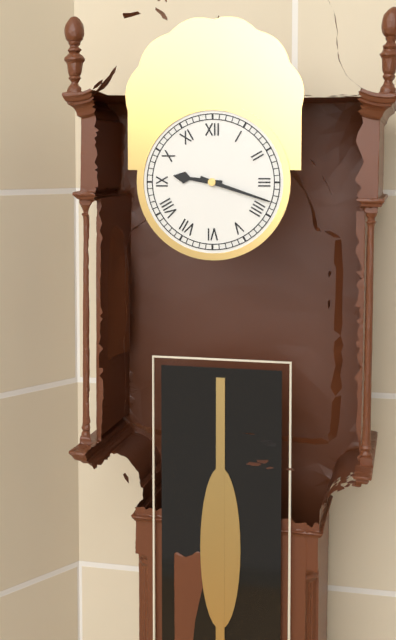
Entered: 9 h 18 min
